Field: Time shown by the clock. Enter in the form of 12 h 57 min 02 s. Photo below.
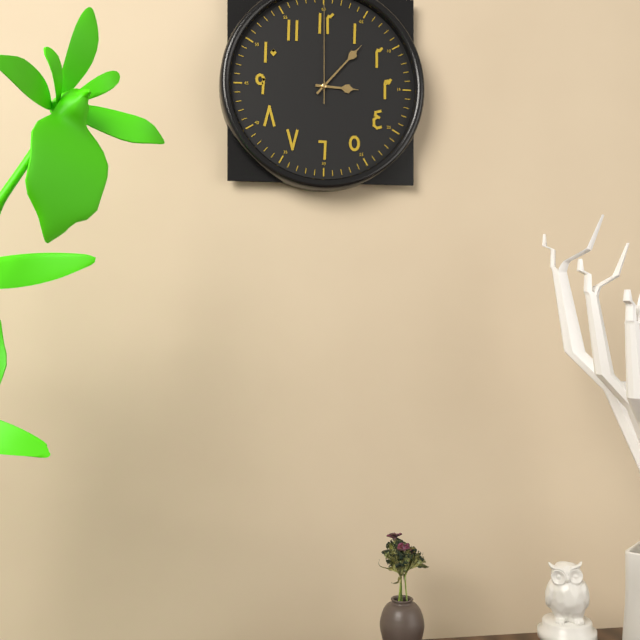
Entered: 3 h 07 min 00 s
